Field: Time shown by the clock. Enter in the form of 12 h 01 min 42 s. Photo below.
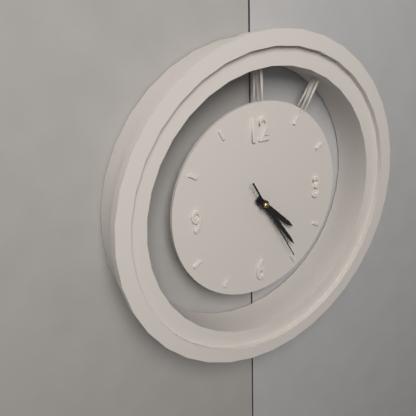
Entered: 4 h 24 min 25 s
